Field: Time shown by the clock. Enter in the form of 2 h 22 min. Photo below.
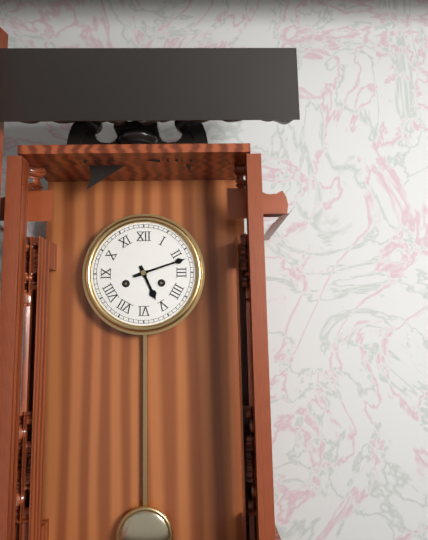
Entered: 5 h 12 min
